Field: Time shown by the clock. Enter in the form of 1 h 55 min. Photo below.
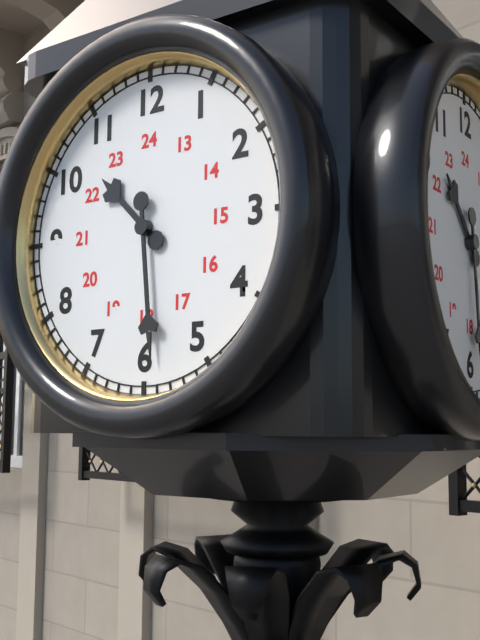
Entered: 10 h 29 min
